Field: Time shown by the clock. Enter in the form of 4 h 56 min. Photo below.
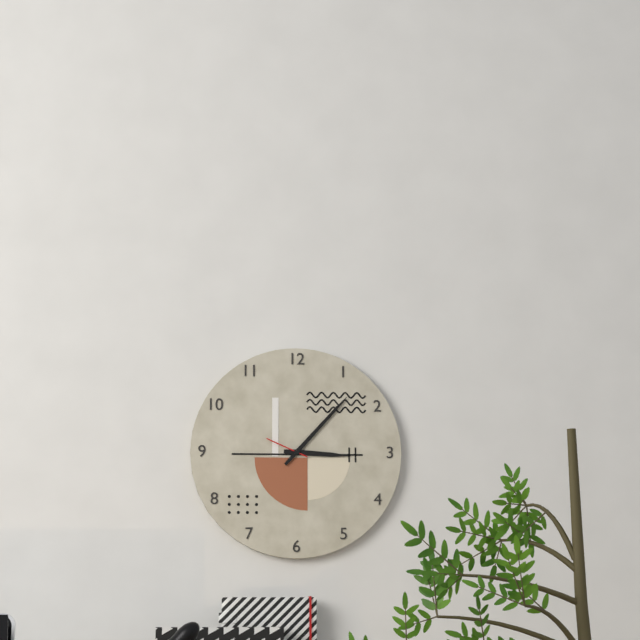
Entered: 3 h 07 min
